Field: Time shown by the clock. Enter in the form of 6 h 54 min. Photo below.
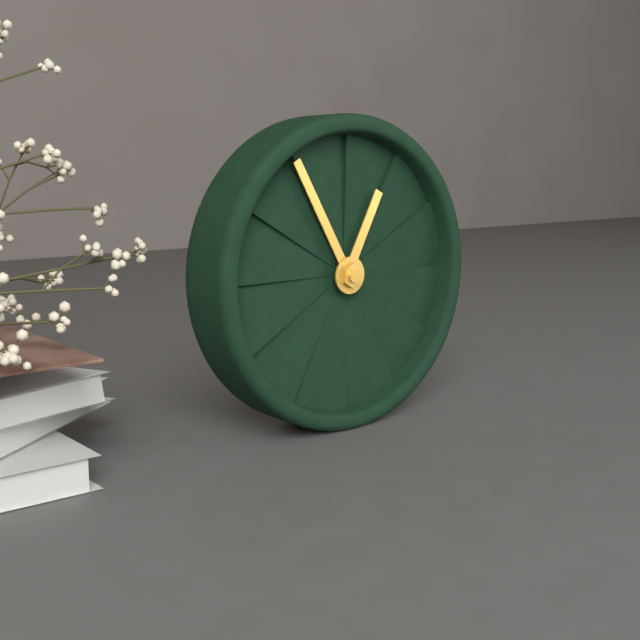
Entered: 12 h 55 min
